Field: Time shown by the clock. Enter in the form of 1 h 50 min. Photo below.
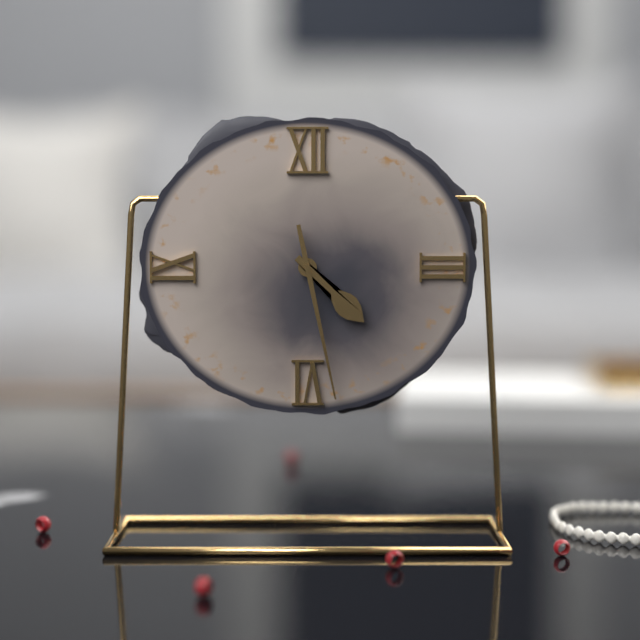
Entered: 4 h 28 min
